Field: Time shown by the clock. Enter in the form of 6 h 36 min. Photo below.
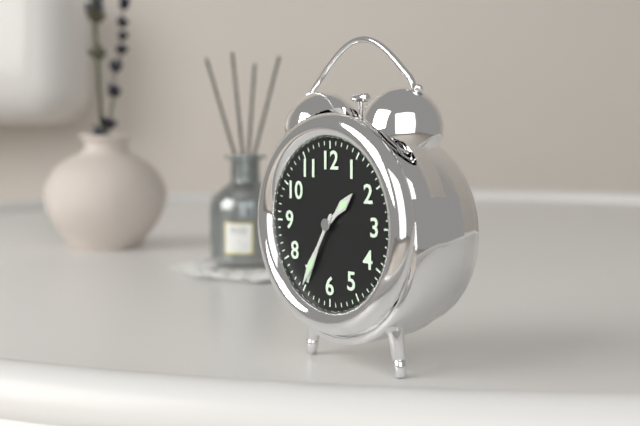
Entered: 1 h 35 min
